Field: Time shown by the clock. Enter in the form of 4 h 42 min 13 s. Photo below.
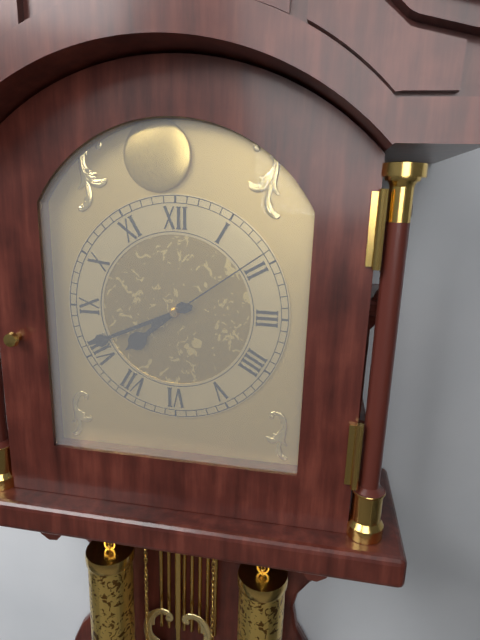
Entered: 7 h 41 min 09 s
